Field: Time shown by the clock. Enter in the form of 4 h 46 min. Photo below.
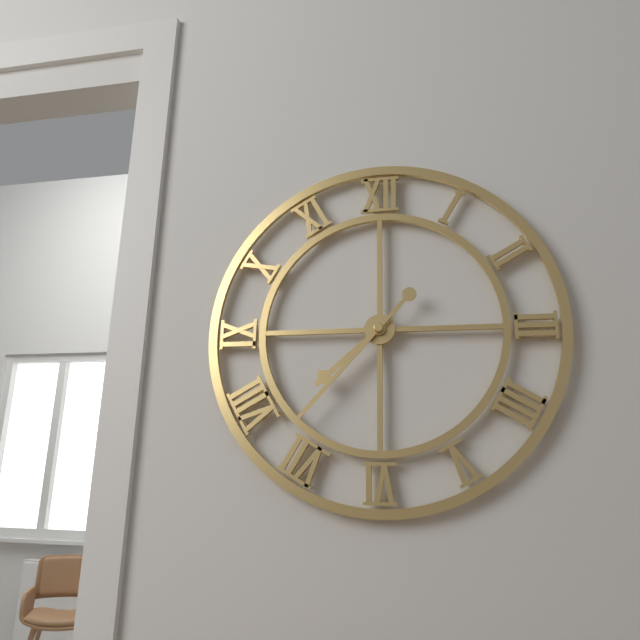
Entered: 7 h 37 min
